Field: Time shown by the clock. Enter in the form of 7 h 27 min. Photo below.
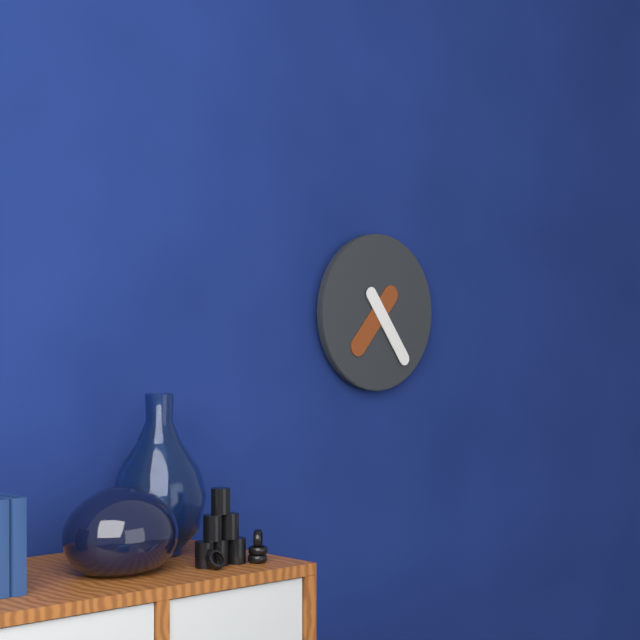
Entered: 7 h 24 min
